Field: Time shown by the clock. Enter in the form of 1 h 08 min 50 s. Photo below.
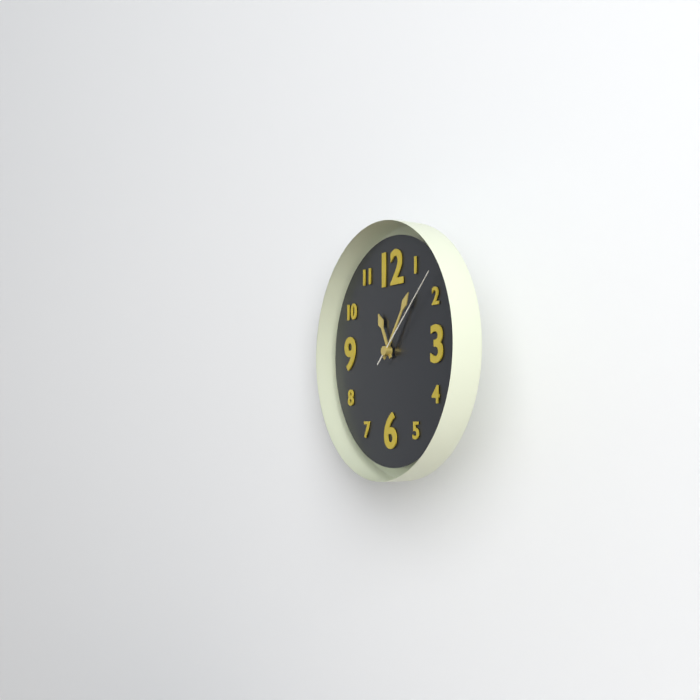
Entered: 11 h 06 min 08 s
